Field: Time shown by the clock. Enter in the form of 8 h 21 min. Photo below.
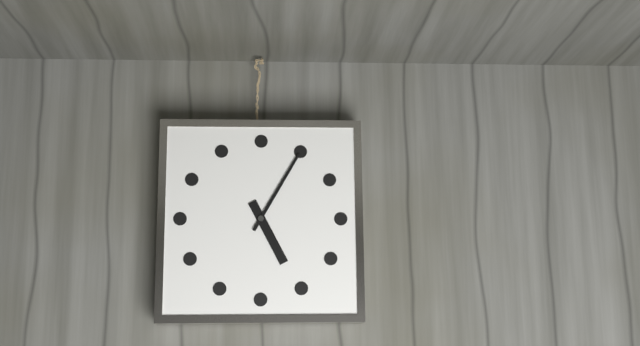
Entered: 5 h 05 min
